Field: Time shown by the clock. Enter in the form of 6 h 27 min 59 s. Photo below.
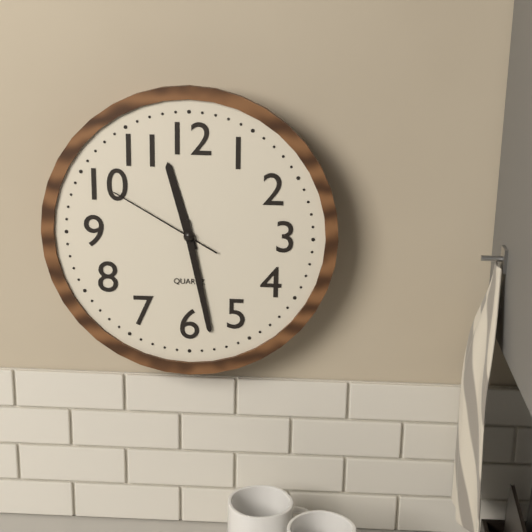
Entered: 11 h 28 min 50 s
